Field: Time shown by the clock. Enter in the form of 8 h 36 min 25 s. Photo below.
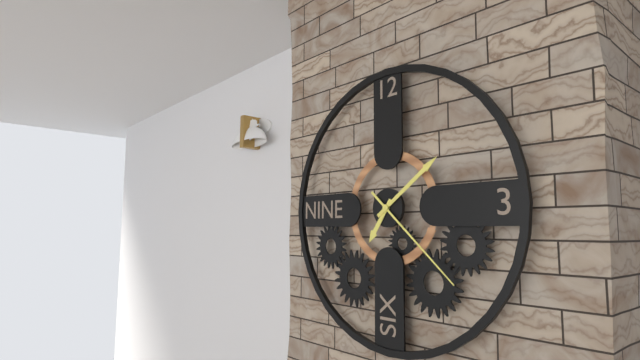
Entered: 7 h 09 min 22 s
